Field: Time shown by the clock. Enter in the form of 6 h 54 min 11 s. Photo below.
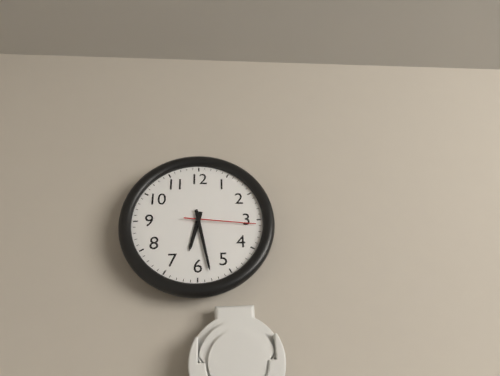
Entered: 6 h 28 min 16 s
